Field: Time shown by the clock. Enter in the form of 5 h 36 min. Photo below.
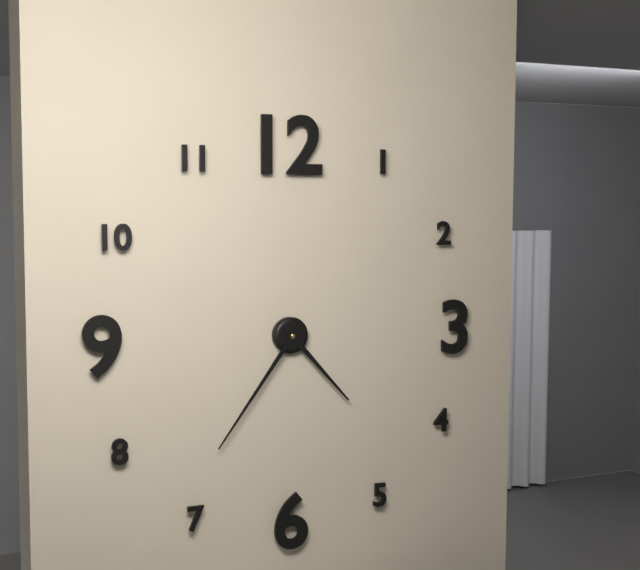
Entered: 4 h 36 min
